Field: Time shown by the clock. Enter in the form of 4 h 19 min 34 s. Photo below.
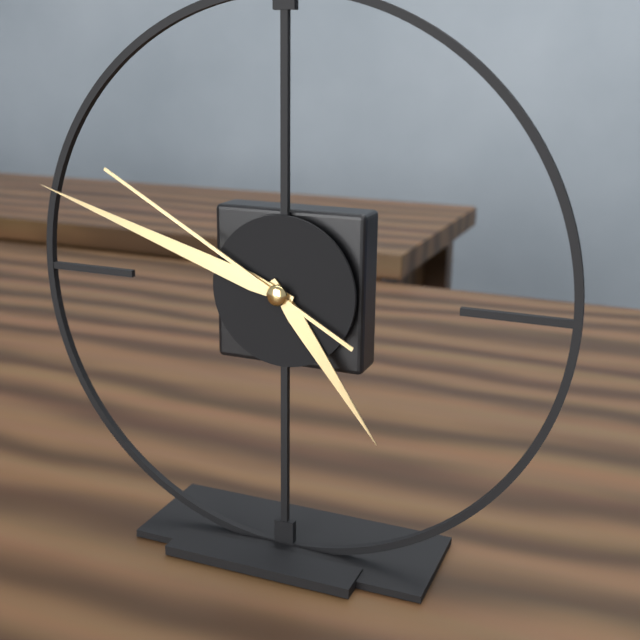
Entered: 4 h 48 min 50 s
